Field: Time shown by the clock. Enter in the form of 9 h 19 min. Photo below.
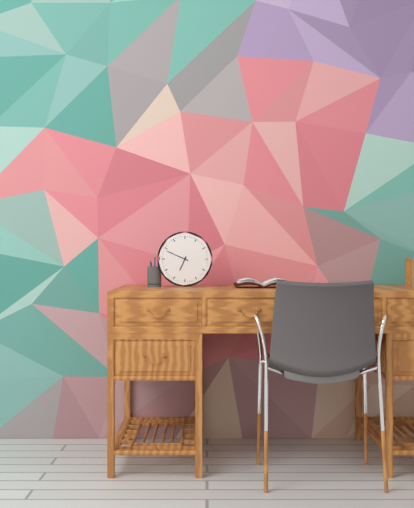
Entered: 6 h 49 min
